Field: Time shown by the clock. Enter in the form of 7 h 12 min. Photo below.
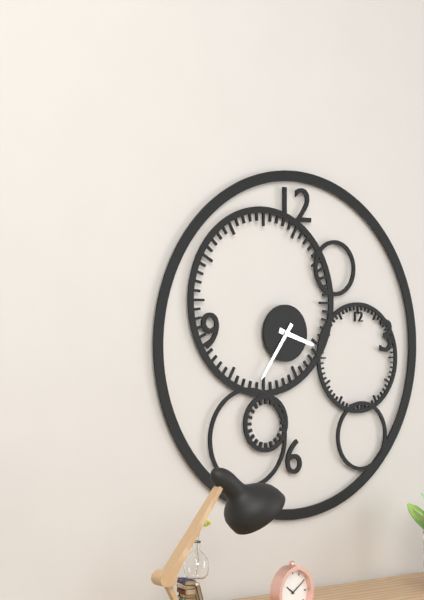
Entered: 3 h 36 min
